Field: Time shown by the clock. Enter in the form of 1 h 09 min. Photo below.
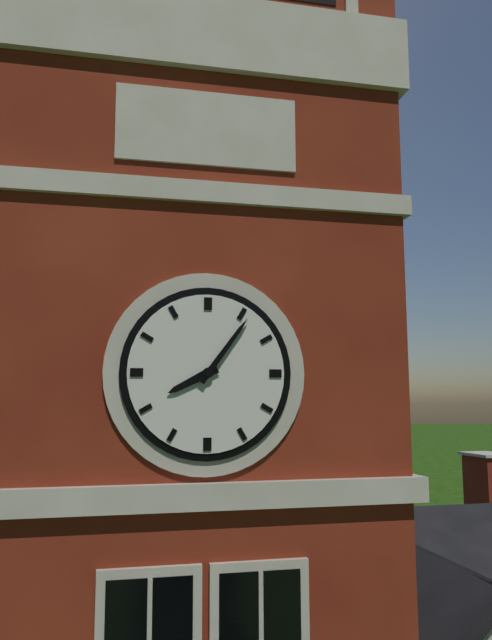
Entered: 8 h 06 min
